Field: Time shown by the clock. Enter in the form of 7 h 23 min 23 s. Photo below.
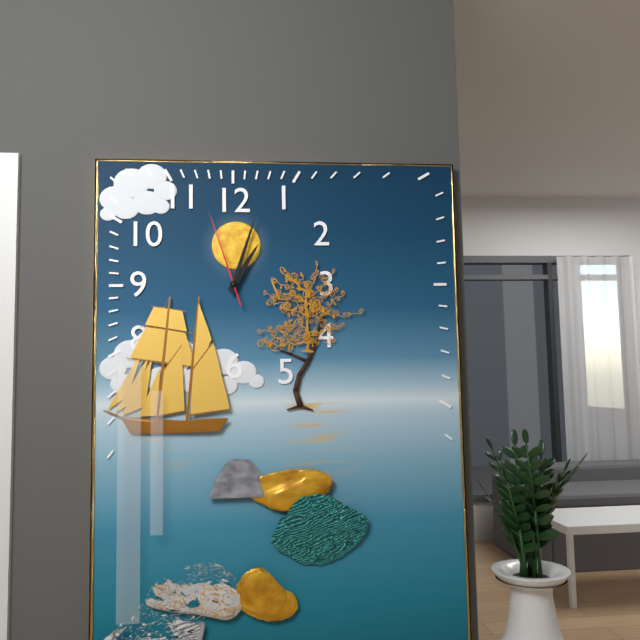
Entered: 1 h 03 min 57 s
